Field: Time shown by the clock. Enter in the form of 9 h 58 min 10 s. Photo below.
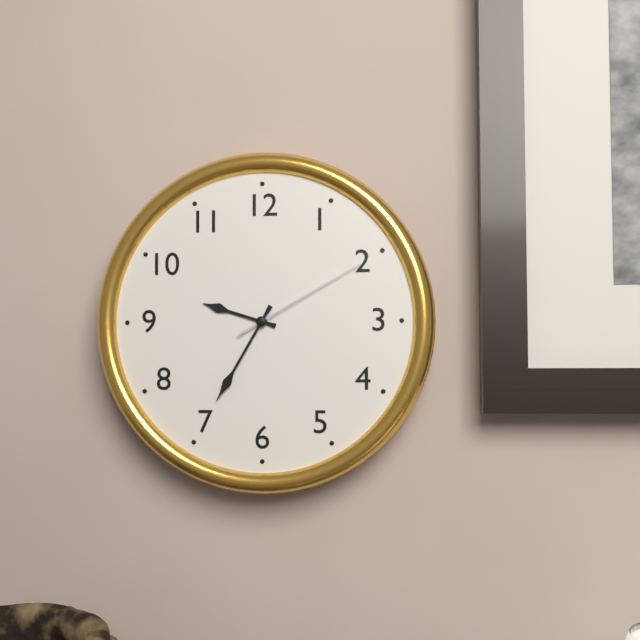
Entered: 9 h 35 min 10 s
